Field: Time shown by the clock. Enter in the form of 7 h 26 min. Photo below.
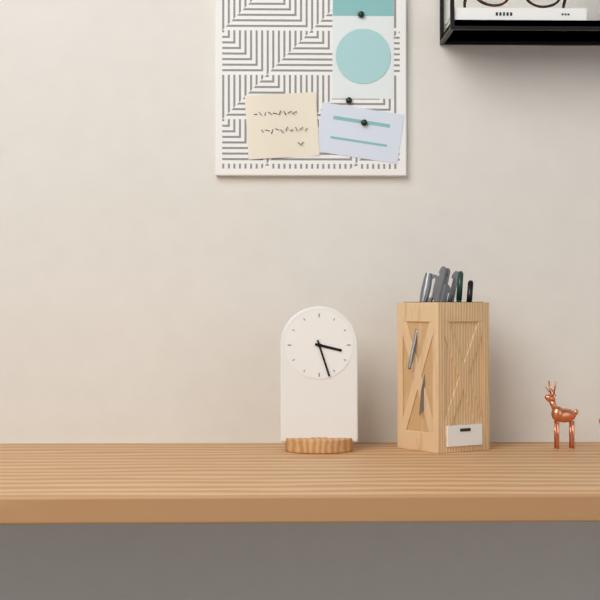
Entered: 3 h 27 min
